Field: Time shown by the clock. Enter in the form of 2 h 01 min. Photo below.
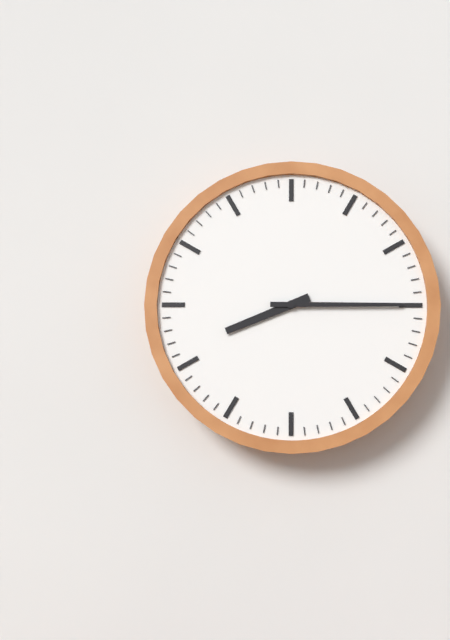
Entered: 8 h 15 min
